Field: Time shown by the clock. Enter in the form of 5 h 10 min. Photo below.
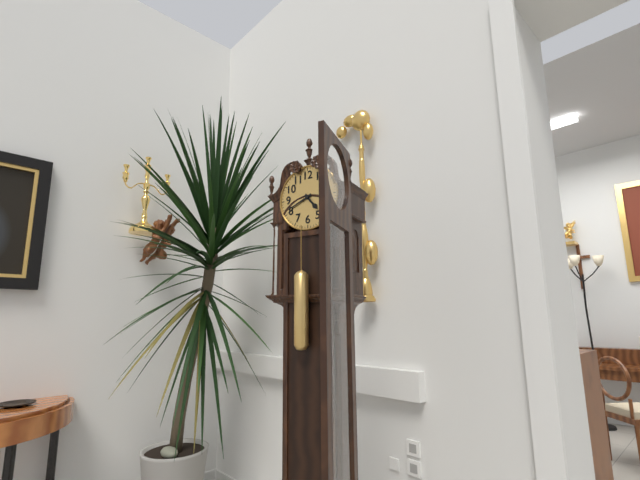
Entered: 4 h 41 min
